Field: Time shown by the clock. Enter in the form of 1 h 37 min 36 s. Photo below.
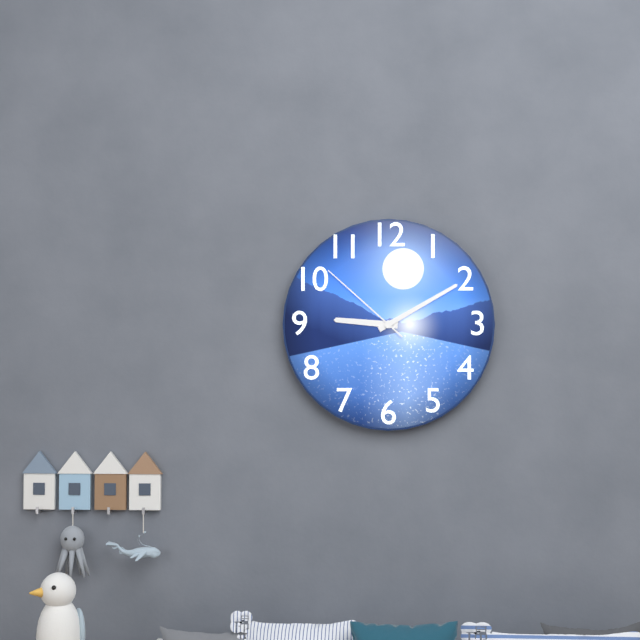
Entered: 9 h 10 min 52 s
